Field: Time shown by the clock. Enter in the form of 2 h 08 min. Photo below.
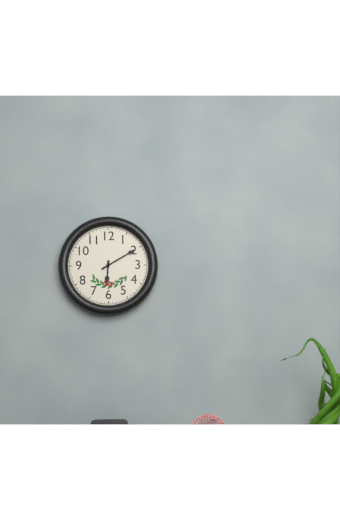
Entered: 6 h 10 min
